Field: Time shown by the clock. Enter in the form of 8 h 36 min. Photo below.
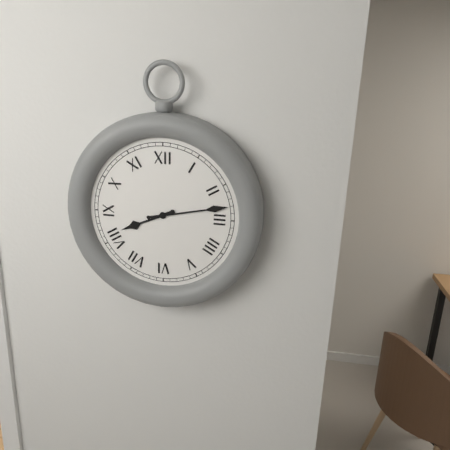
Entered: 8 h 13 min
